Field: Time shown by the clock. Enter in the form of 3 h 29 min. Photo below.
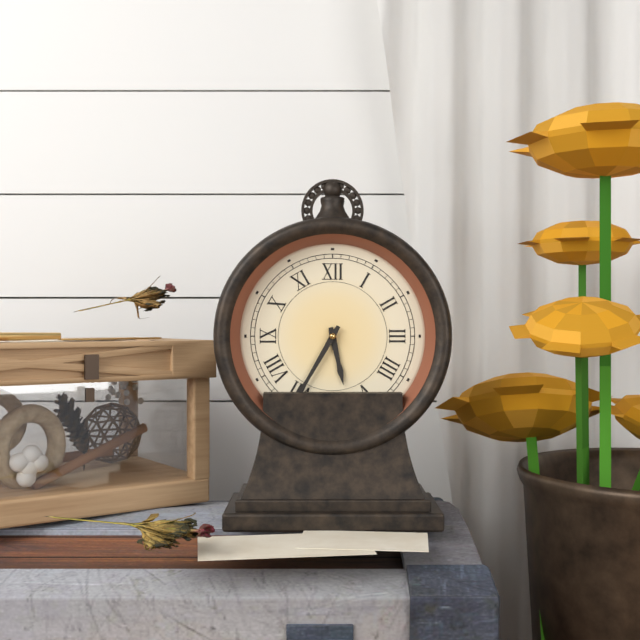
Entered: 5 h 35 min
